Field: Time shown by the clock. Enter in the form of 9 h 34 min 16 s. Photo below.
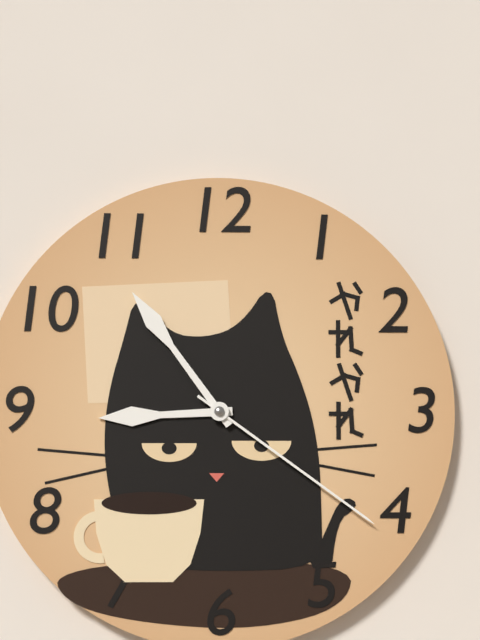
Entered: 8 h 54 min 21 s
